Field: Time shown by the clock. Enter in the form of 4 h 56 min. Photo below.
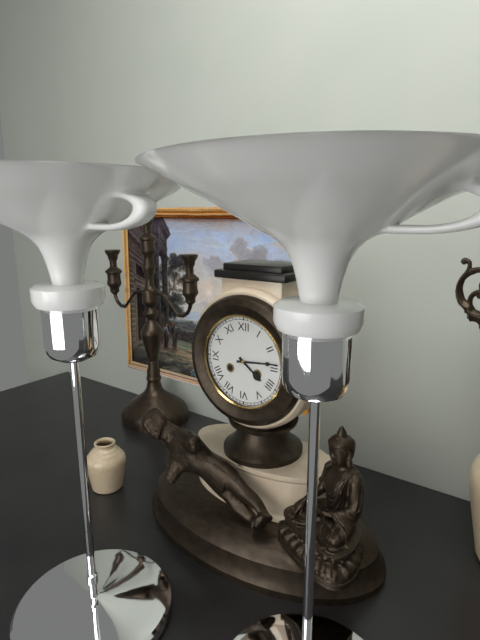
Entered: 4 h 14 min
